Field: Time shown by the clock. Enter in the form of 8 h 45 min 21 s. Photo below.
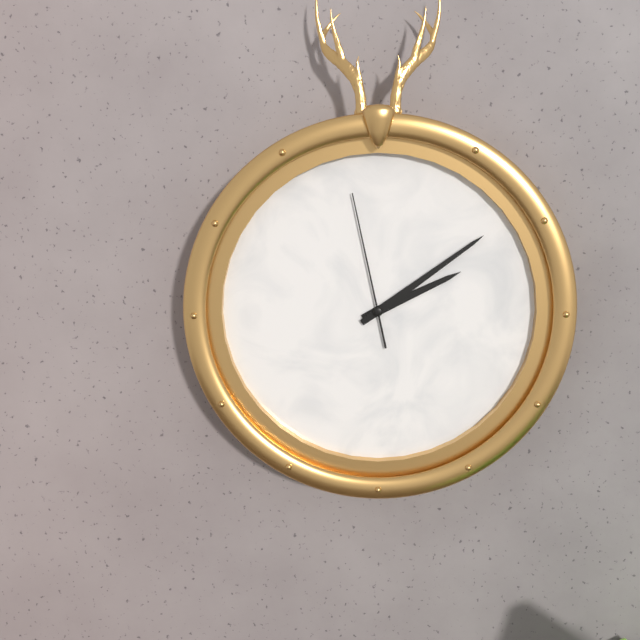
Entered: 2 h 09 min 58 s
